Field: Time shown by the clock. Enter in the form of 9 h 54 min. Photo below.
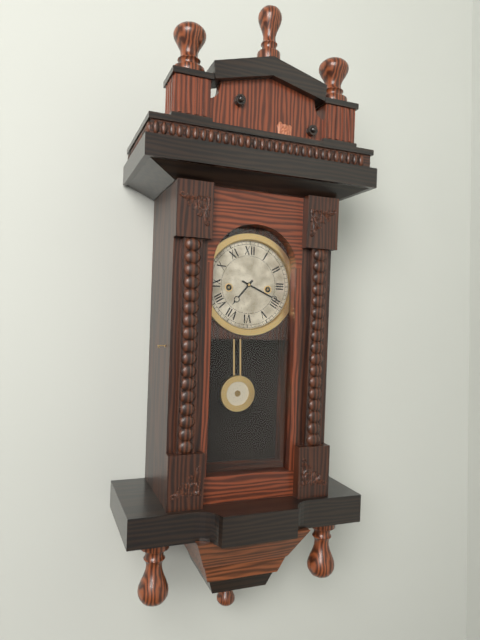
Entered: 7 h 19 min
